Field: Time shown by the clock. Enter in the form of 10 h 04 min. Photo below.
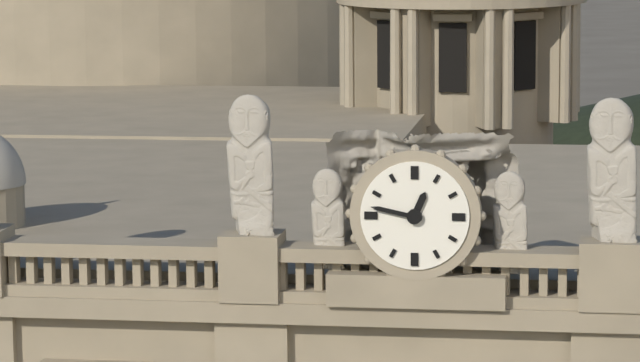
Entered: 12 h 47 min
